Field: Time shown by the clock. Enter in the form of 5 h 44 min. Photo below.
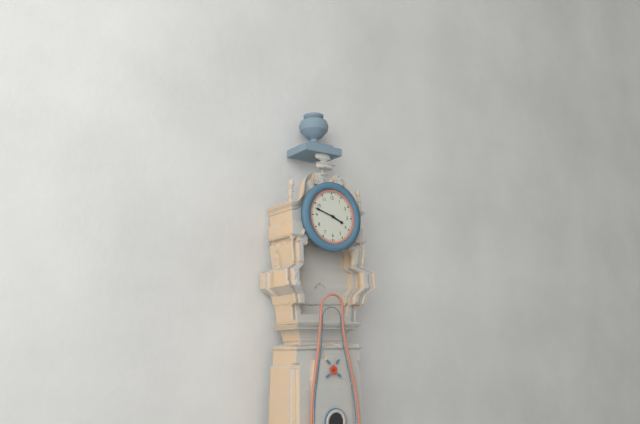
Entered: 3 h 48 min
